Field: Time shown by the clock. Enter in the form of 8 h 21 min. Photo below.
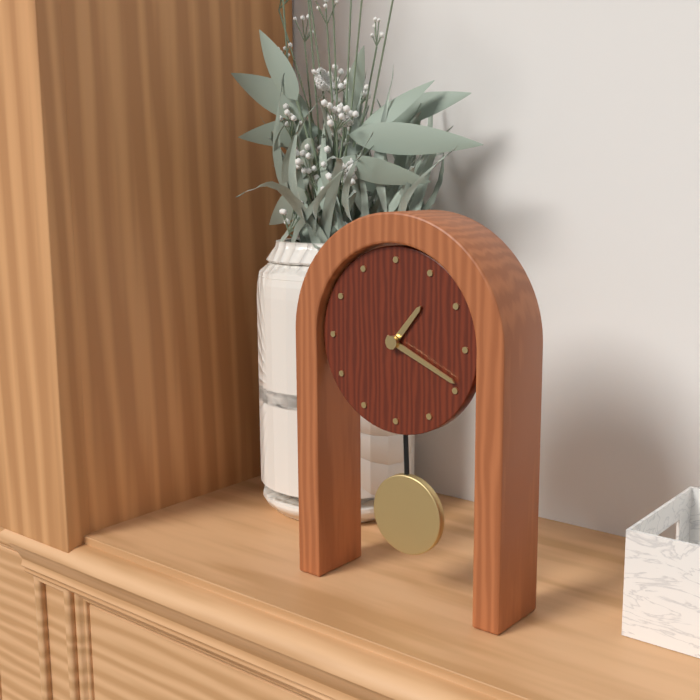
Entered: 1 h 19 min
